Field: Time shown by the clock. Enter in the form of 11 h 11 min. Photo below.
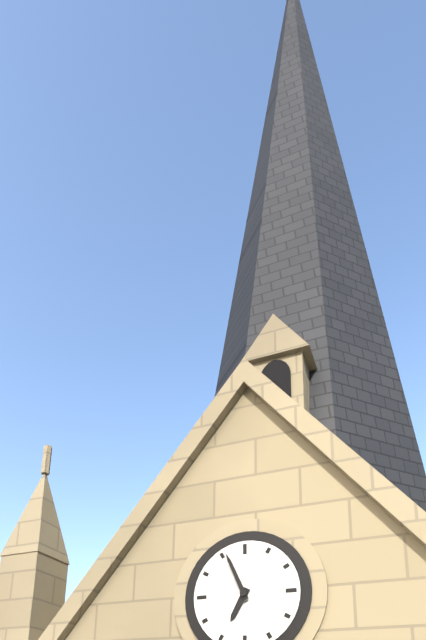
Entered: 6 h 56 min
